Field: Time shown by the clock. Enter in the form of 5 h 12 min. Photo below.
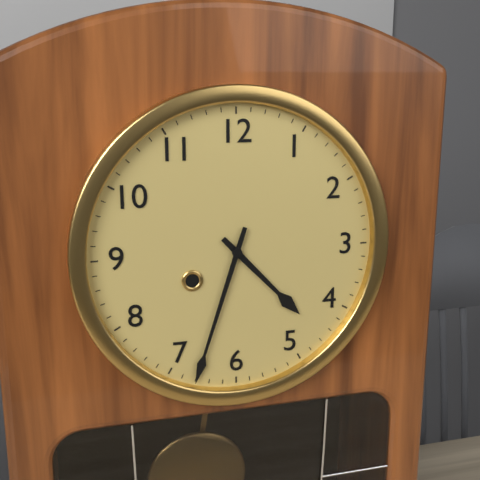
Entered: 4 h 33 min
